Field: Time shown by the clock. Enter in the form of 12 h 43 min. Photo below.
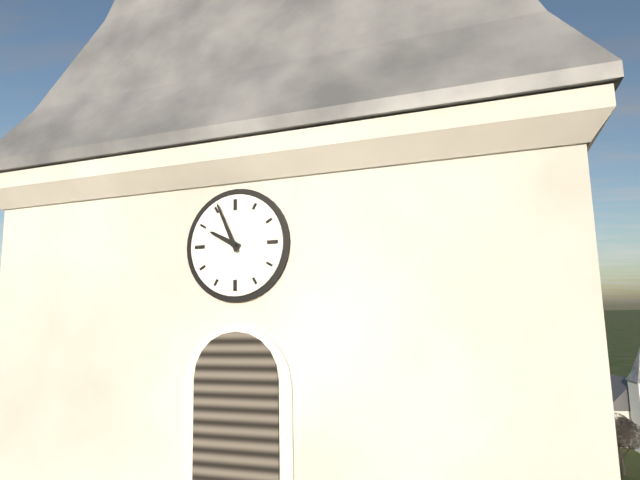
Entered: 9 h 56 min
